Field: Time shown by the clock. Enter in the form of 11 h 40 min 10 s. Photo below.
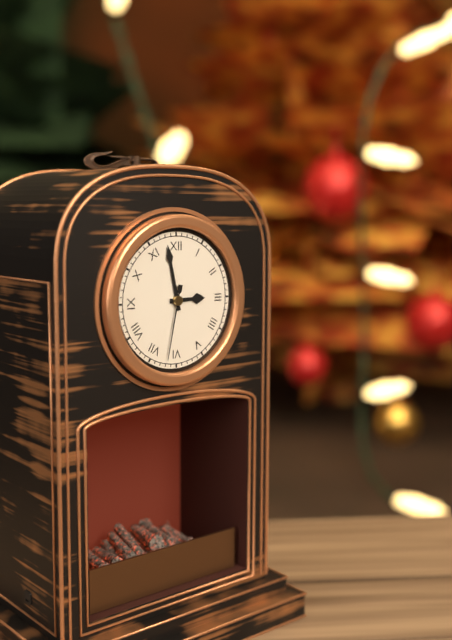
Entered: 2 h 58 min 32 s
